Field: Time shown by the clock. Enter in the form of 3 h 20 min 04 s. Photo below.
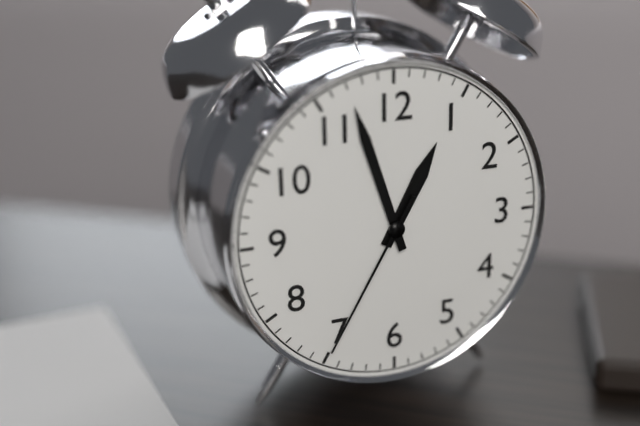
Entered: 12 h 57 min 35 s
